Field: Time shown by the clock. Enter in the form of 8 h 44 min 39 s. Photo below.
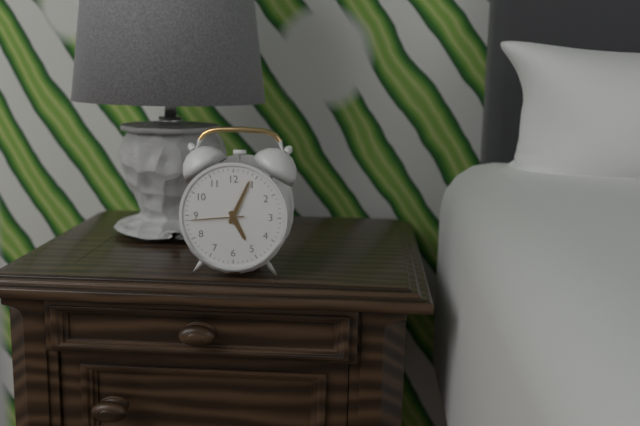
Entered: 5 h 04 min 44 s
